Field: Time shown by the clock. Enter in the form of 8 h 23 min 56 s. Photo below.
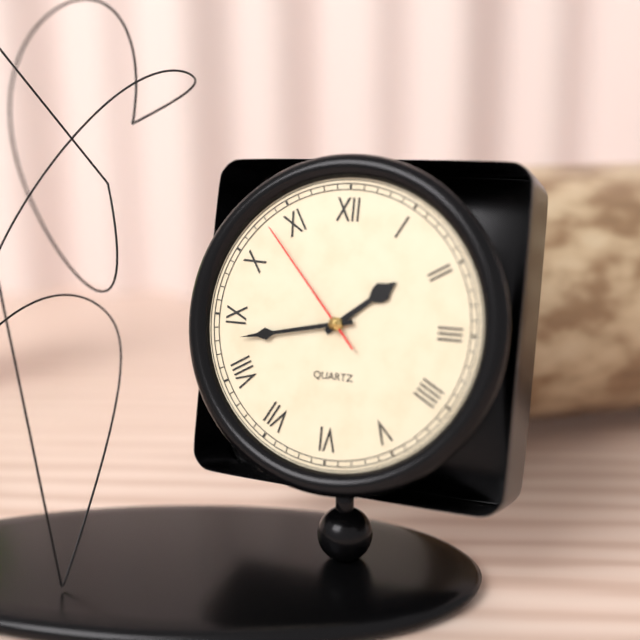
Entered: 1 h 43 min 53 s
